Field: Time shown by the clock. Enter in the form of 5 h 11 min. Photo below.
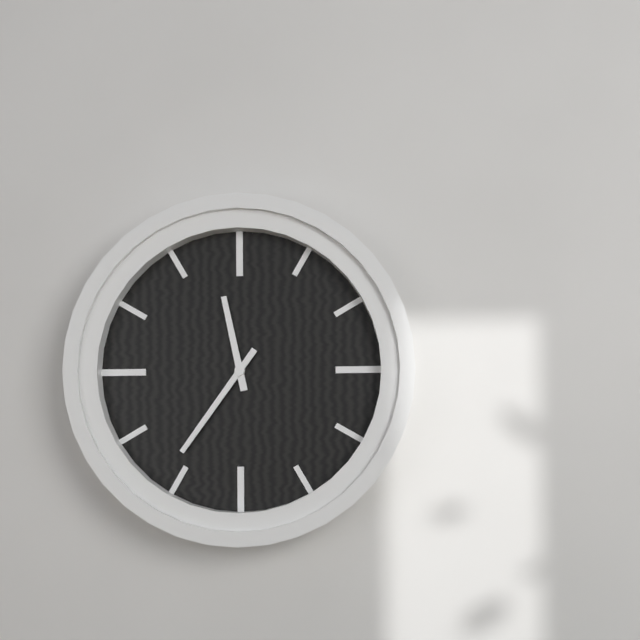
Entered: 11 h 36 min
